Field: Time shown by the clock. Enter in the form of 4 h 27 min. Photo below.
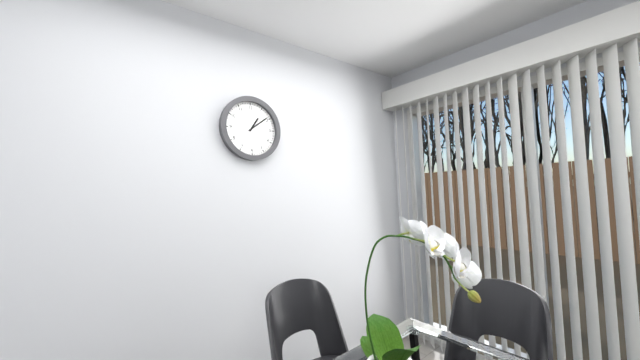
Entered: 1 h 09 min
